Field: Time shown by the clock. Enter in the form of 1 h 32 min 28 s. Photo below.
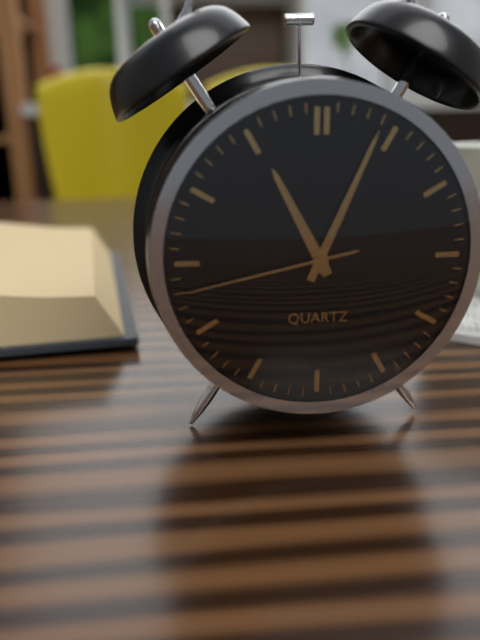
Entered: 11 h 04 min 43 s
